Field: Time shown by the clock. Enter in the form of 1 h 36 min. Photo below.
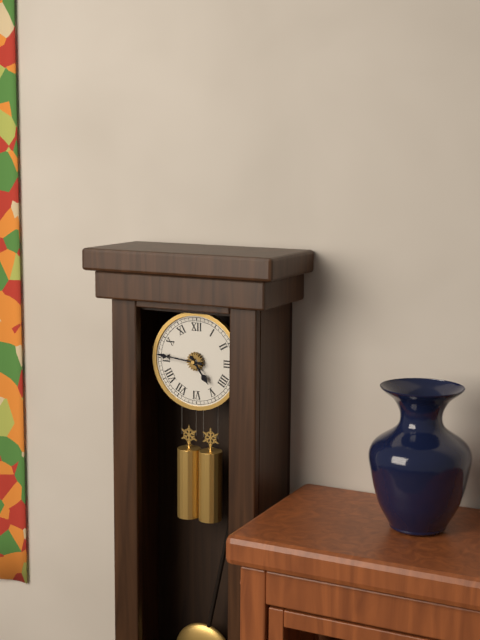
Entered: 4 h 46 min
